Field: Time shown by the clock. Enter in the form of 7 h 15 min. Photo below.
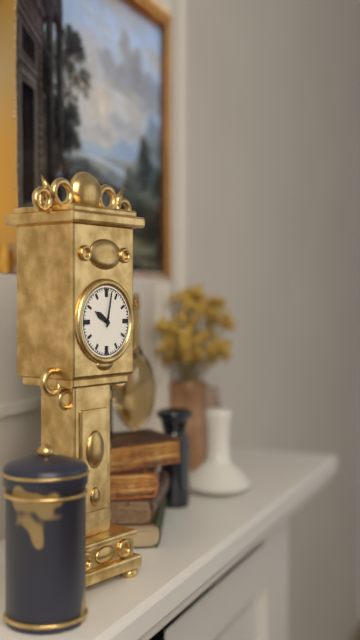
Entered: 10 h 02 min
